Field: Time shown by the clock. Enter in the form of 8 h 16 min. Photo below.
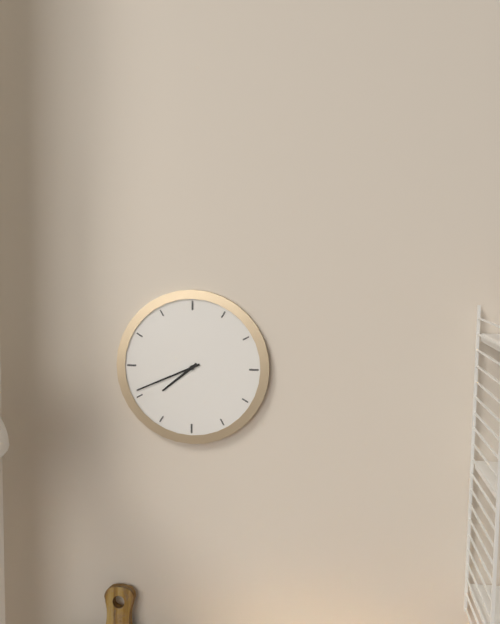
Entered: 7 h 41 min
